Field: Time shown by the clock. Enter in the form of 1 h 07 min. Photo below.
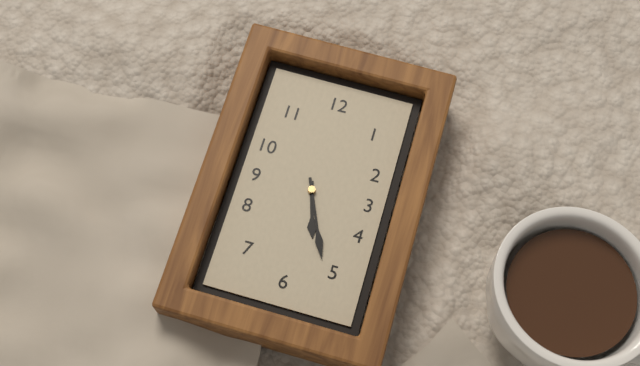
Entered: 5 h 26 min
